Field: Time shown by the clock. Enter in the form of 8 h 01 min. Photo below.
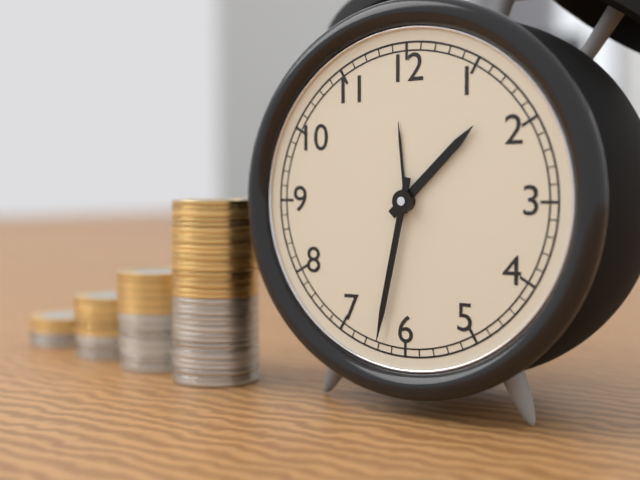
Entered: 1 h 32 min
